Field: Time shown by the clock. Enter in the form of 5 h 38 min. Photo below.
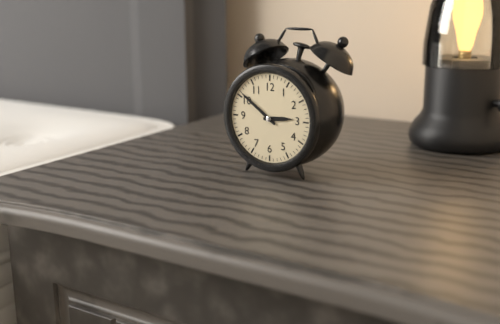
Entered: 2 h 51 min
